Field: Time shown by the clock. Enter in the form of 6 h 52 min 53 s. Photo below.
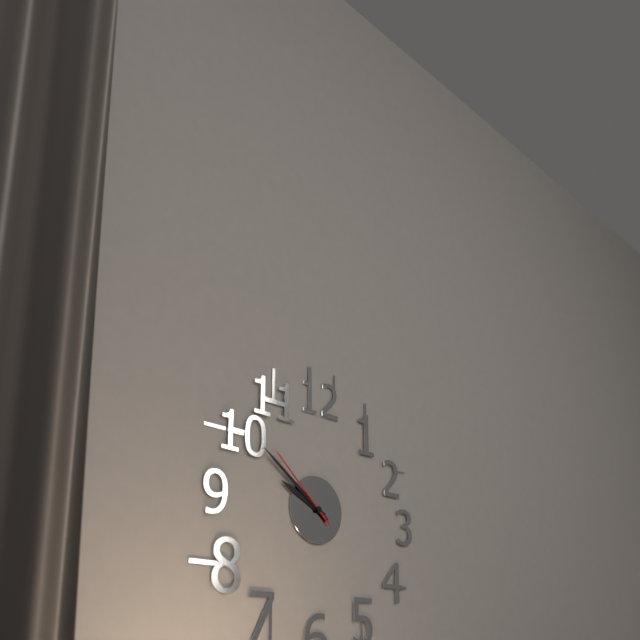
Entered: 9 h 51 min 52 s
